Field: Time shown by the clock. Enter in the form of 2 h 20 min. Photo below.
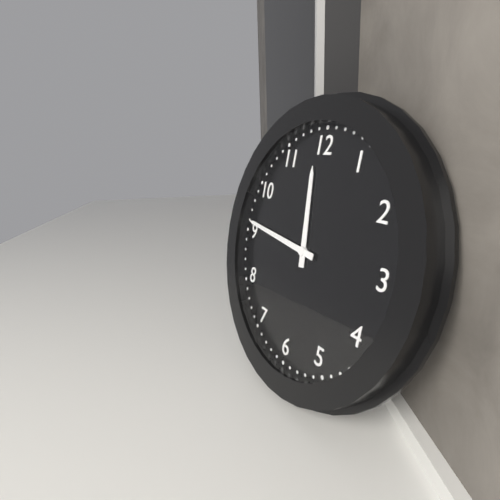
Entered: 11 h 46 min
